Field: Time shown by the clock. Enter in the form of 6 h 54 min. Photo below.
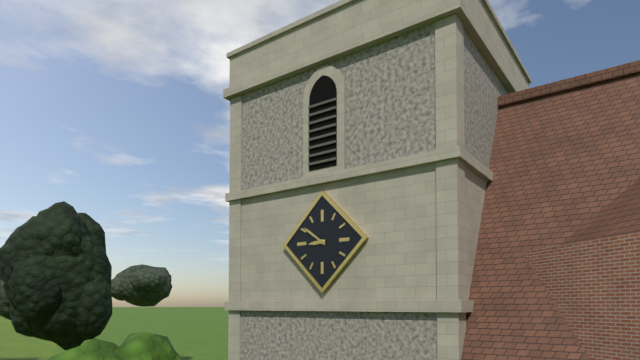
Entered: 8 h 51 min
